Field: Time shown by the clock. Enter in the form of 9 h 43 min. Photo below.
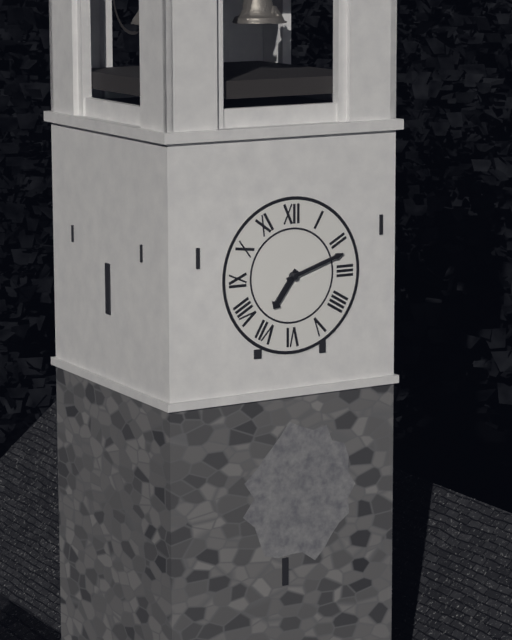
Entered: 7 h 12 min
